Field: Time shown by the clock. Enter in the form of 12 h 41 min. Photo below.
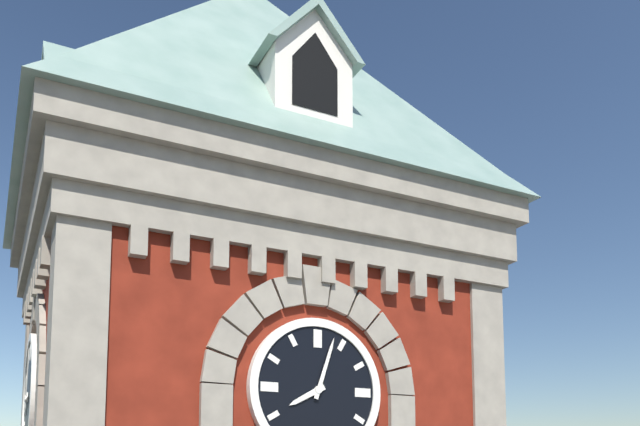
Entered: 8 h 03 min
